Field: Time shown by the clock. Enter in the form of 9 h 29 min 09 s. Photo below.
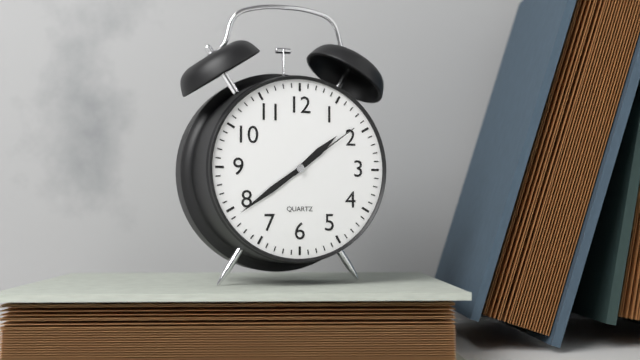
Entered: 1 h 39 min 09 s
